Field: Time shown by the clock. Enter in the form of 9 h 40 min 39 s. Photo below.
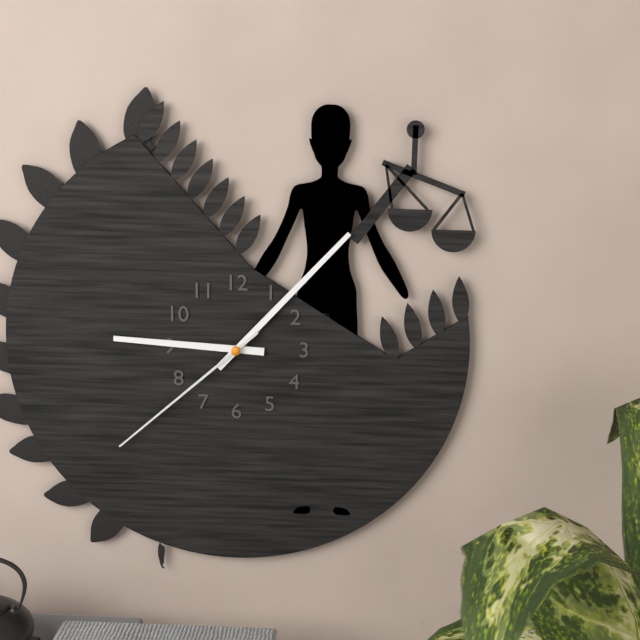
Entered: 9 h 07 min 38 s
